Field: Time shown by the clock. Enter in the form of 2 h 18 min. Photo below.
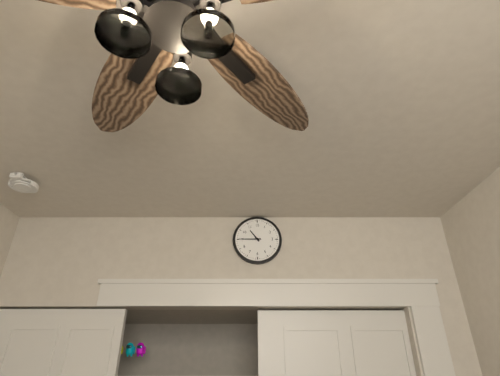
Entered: 10 h 45 min
